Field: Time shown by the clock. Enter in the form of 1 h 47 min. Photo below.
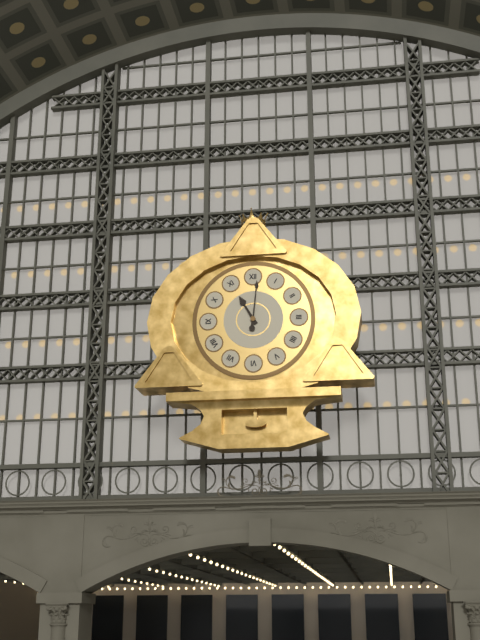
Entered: 11 h 01 min
